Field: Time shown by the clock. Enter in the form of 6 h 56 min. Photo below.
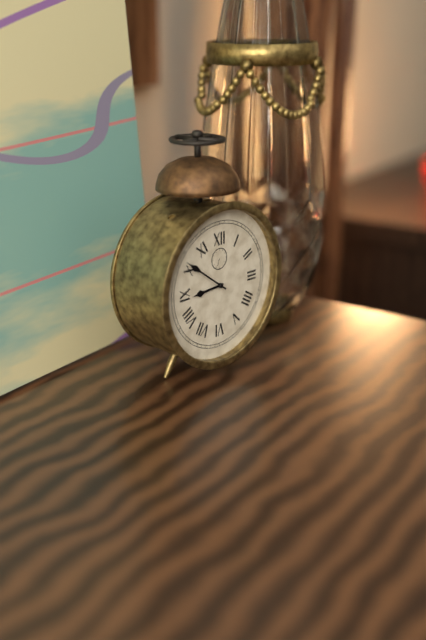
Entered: 8 h 51 min
